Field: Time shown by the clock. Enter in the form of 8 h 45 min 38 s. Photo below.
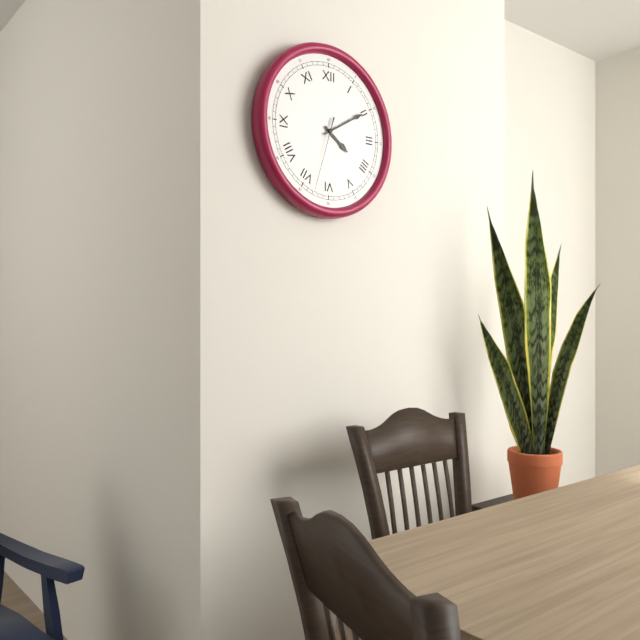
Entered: 4 h 10 min 33 s
